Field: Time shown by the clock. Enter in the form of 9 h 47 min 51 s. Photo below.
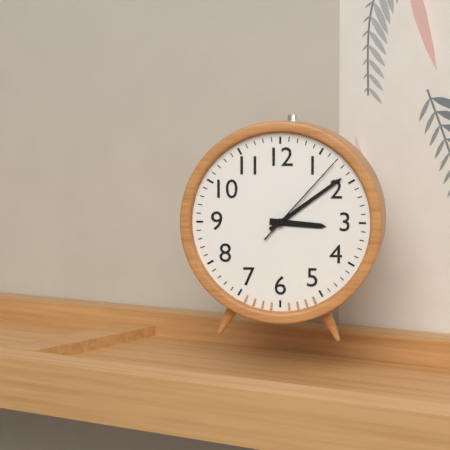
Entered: 3 h 09 min 07 s
